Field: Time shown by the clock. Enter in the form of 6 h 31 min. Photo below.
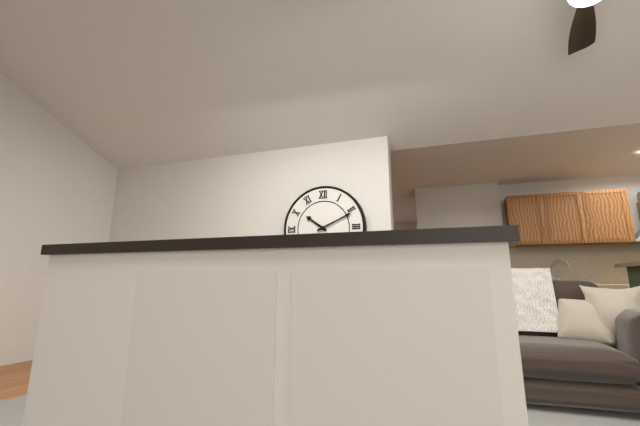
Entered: 10 h 11 min
